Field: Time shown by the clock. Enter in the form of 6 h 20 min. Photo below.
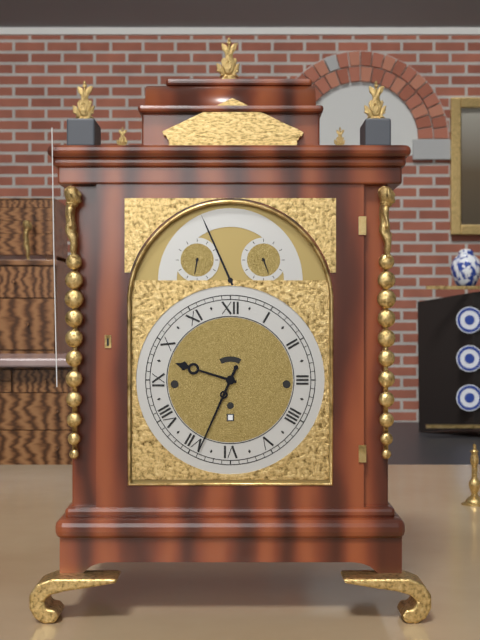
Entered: 9 h 34 min
